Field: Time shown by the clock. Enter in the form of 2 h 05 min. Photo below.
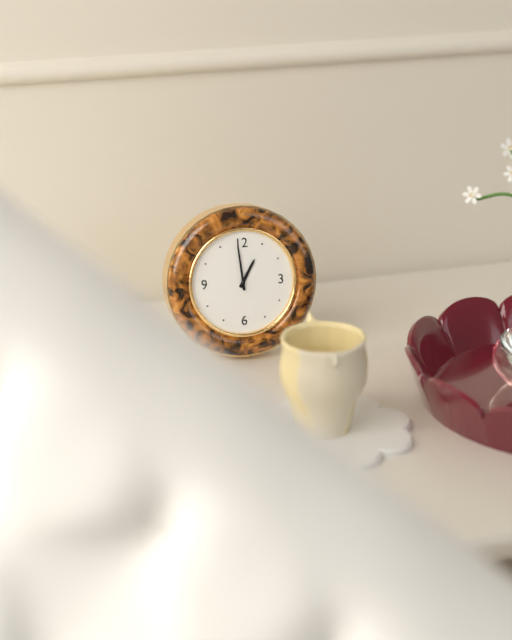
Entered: 12 h 59 min
